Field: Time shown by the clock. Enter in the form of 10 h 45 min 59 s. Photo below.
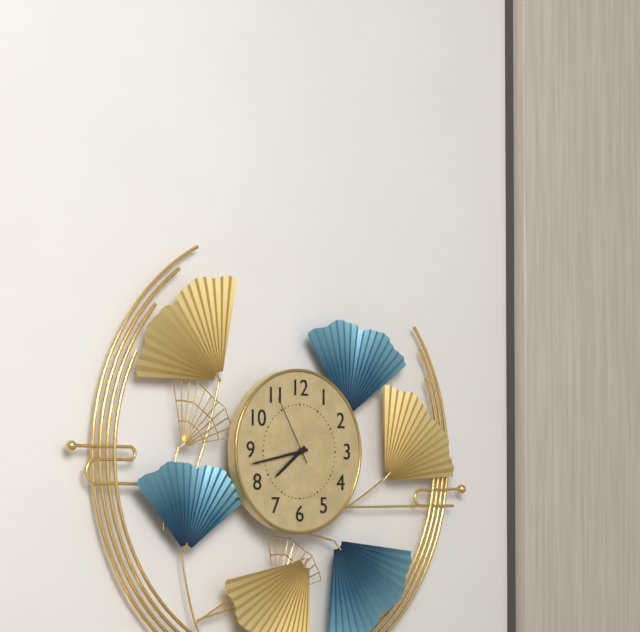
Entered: 7 h 43 min 55 s
